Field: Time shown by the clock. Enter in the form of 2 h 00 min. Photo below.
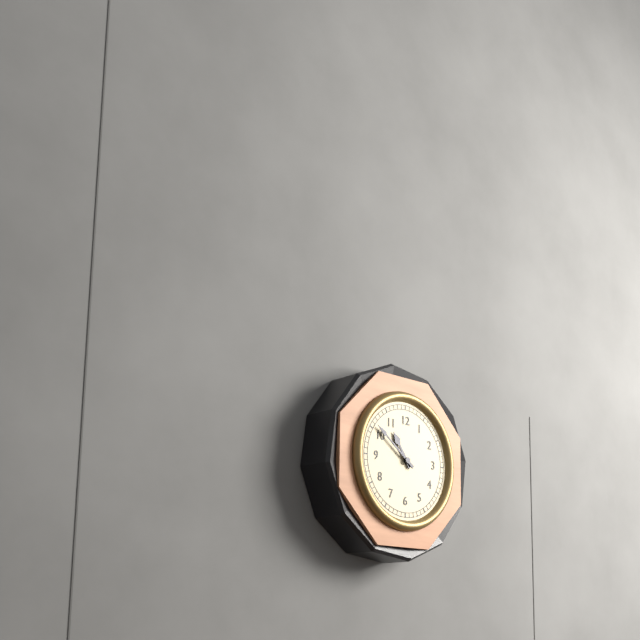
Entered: 10 h 51 min
